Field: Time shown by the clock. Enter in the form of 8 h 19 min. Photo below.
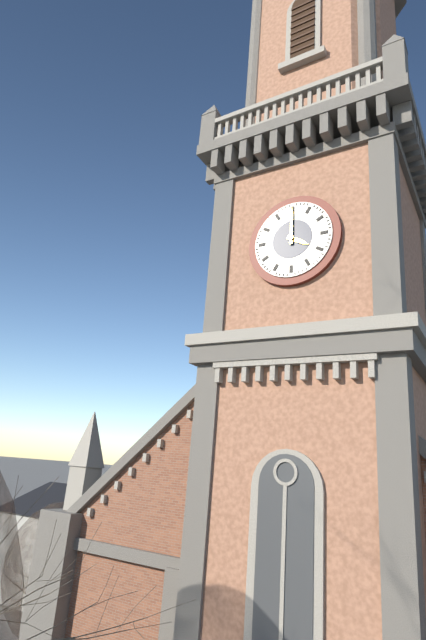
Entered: 4 h 00 min
